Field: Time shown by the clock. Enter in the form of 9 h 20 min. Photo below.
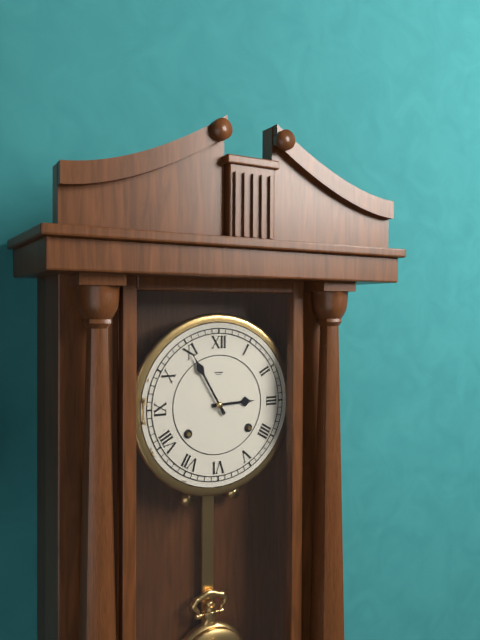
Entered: 2 h 55 min
